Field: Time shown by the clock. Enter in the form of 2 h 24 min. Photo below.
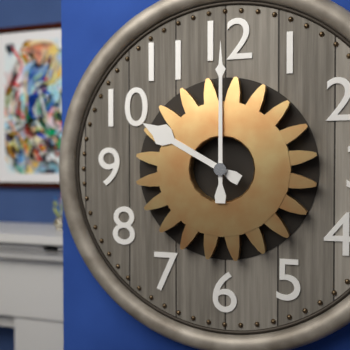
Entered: 10 h 00 min
